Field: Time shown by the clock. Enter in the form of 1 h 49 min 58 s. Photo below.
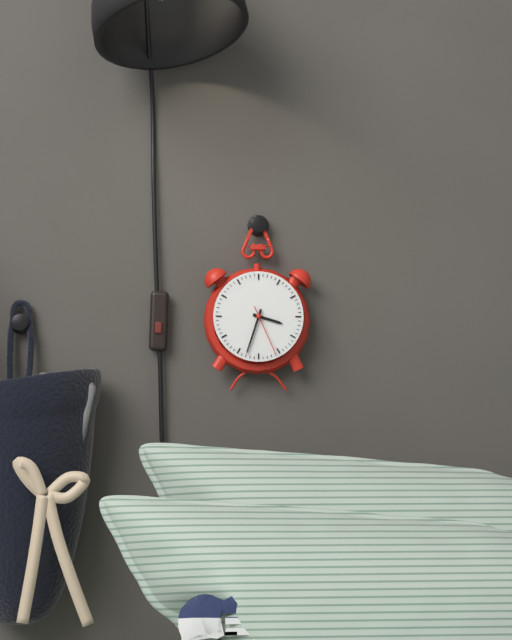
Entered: 3 h 33 min 26 s
